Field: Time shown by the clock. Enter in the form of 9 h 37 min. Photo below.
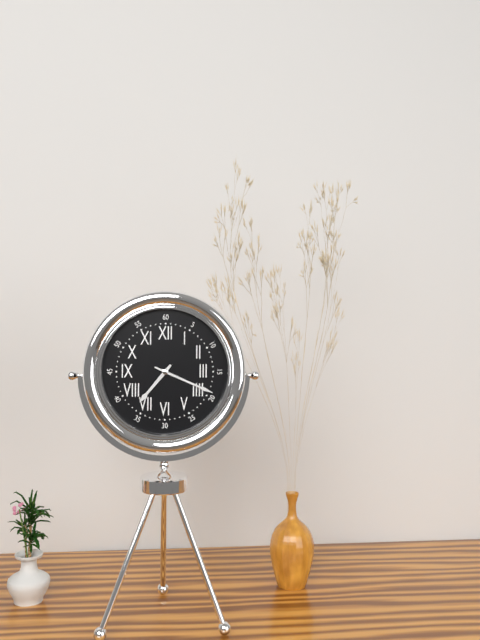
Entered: 7 h 19 min
